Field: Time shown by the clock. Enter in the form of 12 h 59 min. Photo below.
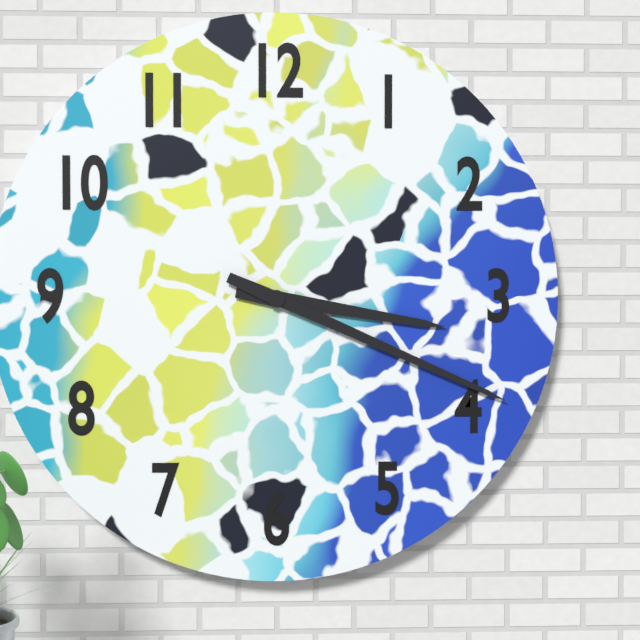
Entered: 3 h 19 min
